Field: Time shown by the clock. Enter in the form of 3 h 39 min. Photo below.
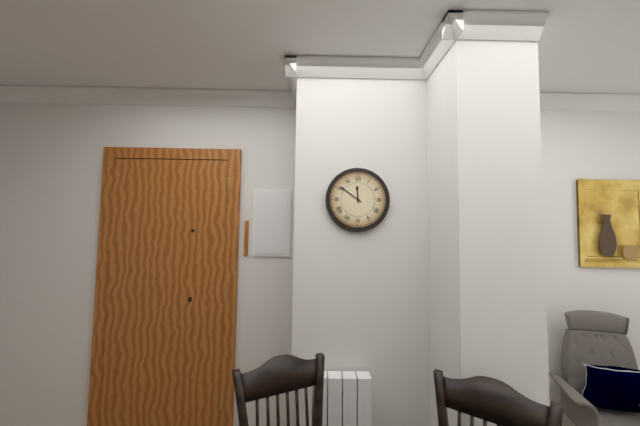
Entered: 11 h 51 min
